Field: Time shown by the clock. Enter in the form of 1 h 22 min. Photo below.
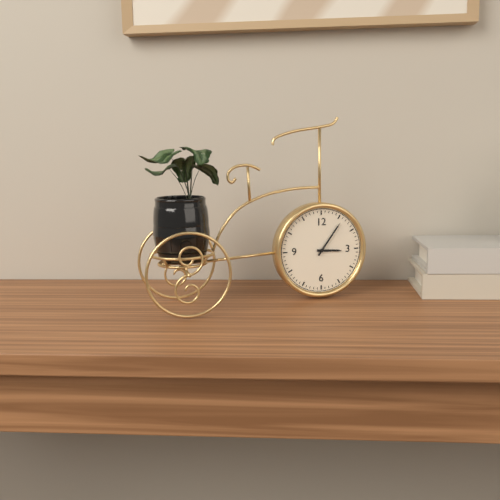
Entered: 3 h 06 min
